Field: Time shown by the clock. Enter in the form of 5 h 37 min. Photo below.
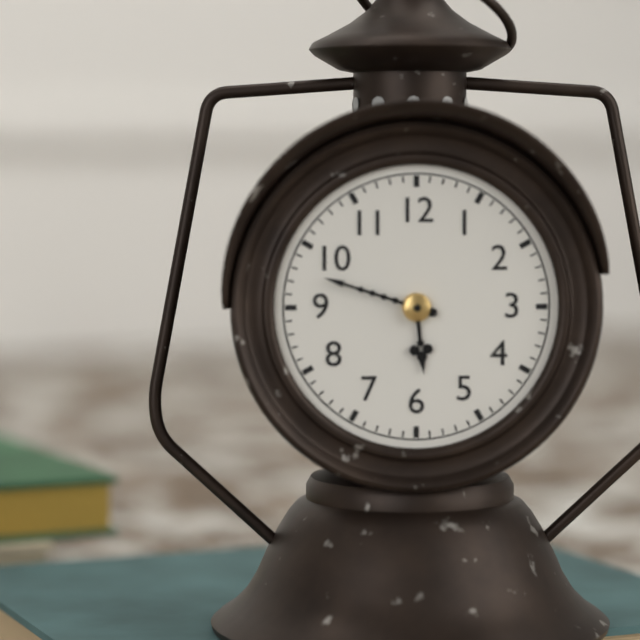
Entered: 5 h 48 min
